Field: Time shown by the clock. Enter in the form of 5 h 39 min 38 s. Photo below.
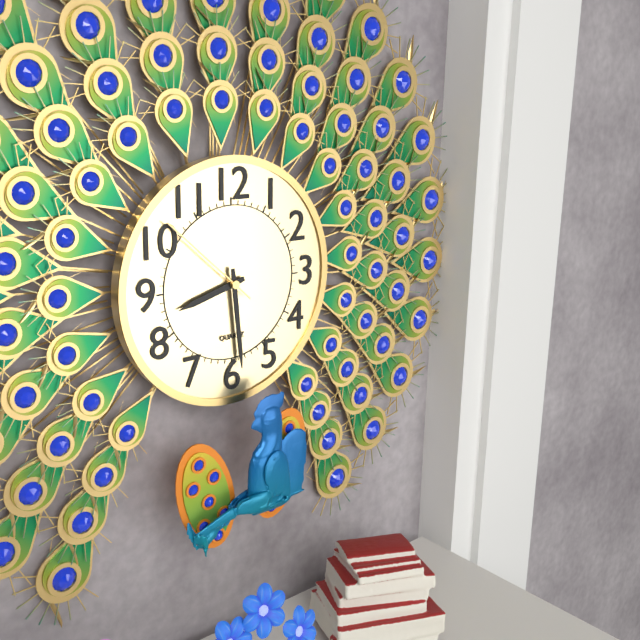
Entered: 8 h 29 min 52 s
